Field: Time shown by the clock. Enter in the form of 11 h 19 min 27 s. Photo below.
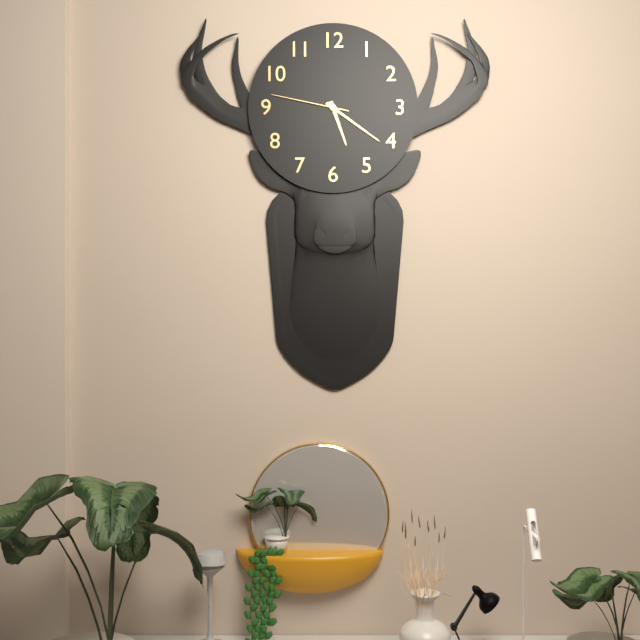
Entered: 5 h 21 min 47 s
